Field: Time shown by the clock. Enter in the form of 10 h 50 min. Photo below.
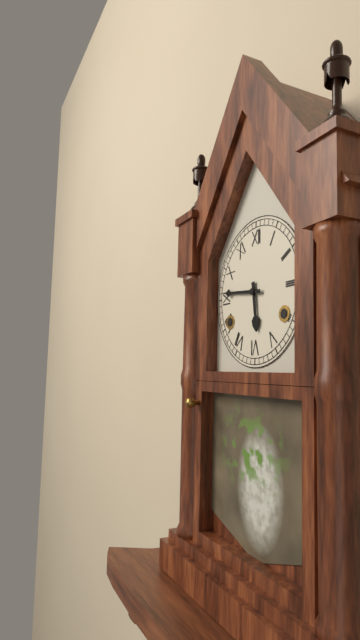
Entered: 5 h 46 min
